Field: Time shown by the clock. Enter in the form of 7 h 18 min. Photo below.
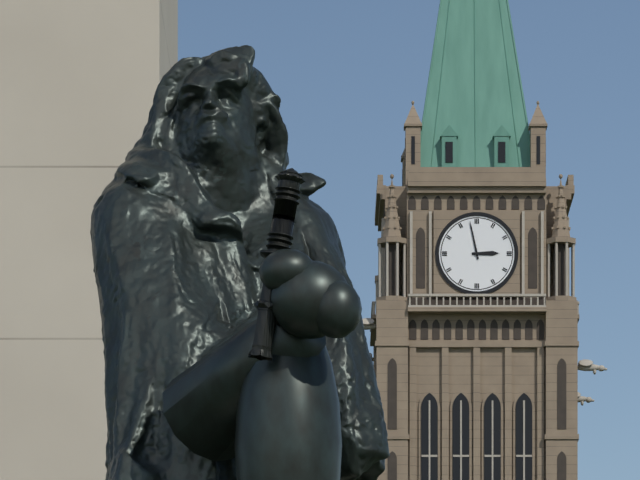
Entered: 2 h 58 min
